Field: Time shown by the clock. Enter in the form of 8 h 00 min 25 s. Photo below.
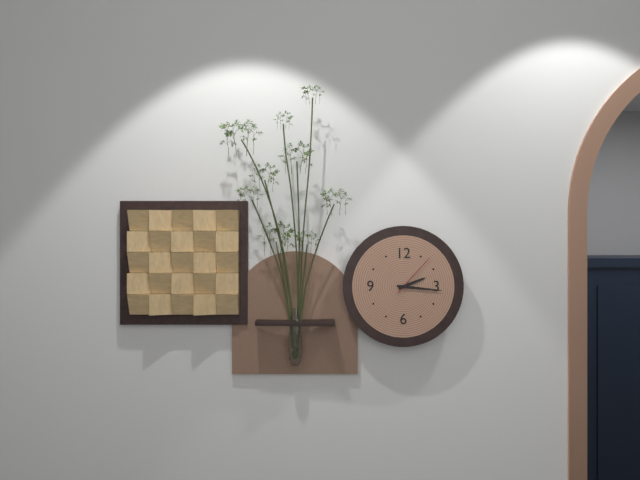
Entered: 2 h 16 min 07 s
